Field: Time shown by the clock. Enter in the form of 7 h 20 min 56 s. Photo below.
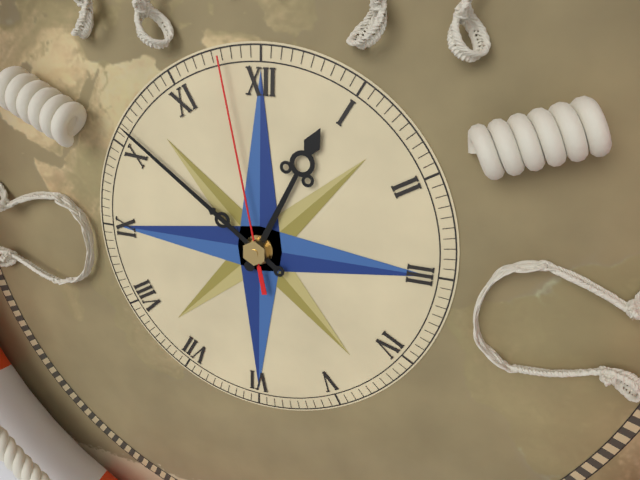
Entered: 12 h 51 min 58 s
